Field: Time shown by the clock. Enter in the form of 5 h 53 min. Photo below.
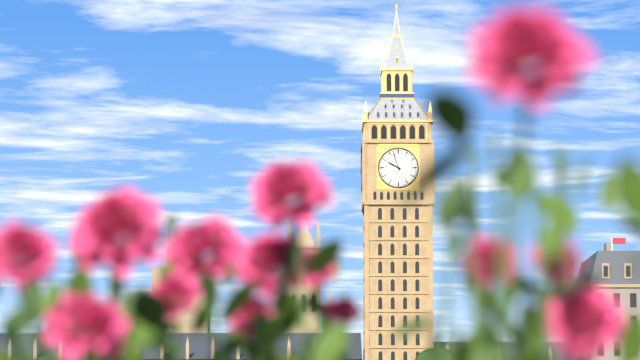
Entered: 9 h 57 min
